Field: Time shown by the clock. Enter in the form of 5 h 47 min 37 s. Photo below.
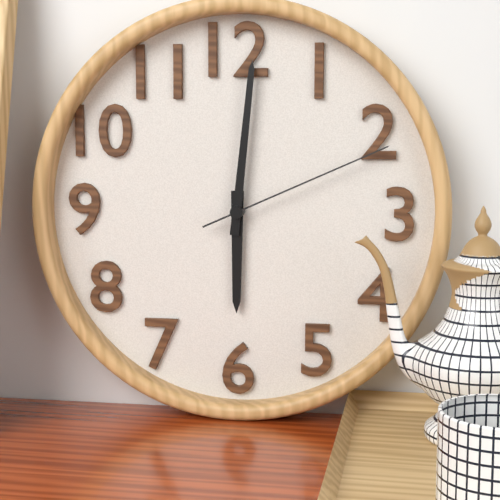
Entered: 6 h 01 min 11 s
